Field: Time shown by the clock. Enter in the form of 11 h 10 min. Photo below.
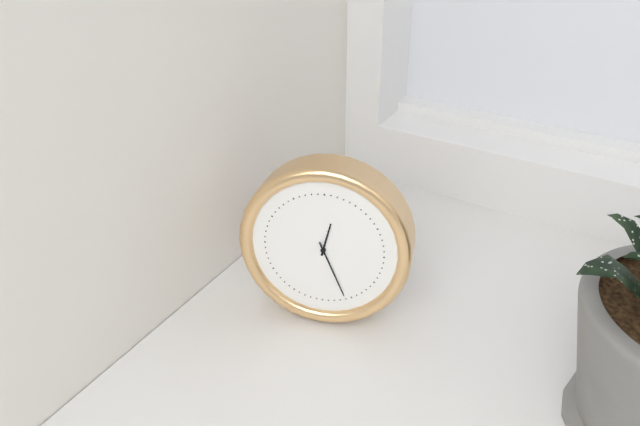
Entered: 12 h 26 min
